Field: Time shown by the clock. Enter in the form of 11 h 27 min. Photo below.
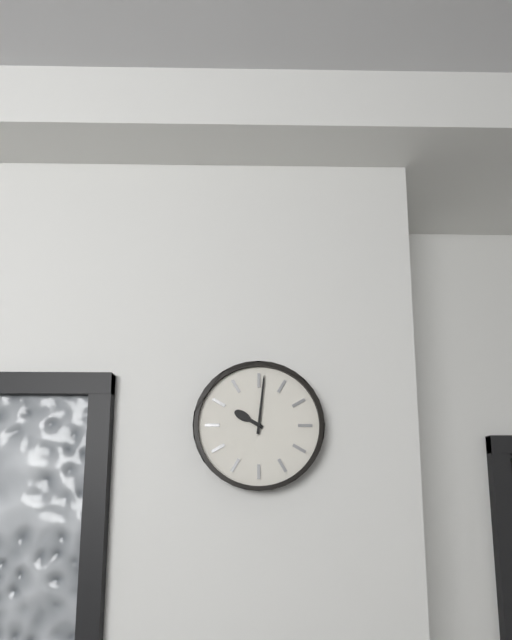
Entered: 10 h 01 min
